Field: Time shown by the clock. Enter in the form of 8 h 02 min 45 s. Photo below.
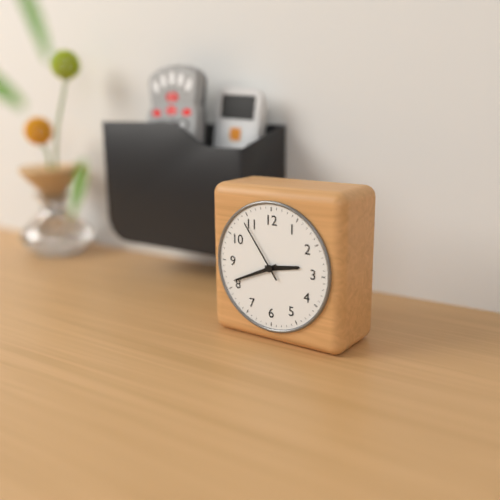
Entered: 2 h 41 min 54 s
